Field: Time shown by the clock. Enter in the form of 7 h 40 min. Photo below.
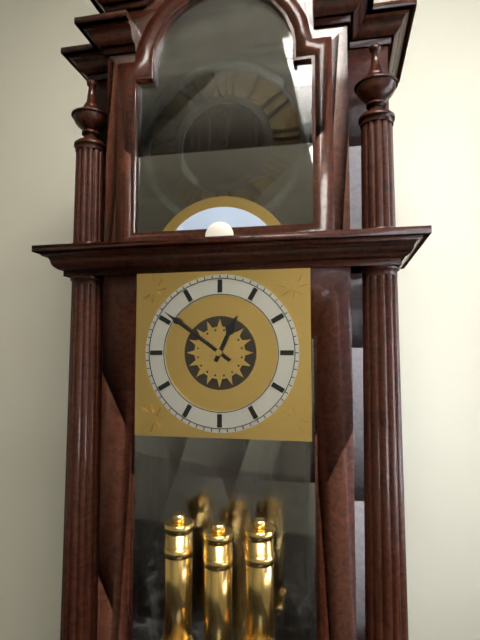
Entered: 12 h 51 min
